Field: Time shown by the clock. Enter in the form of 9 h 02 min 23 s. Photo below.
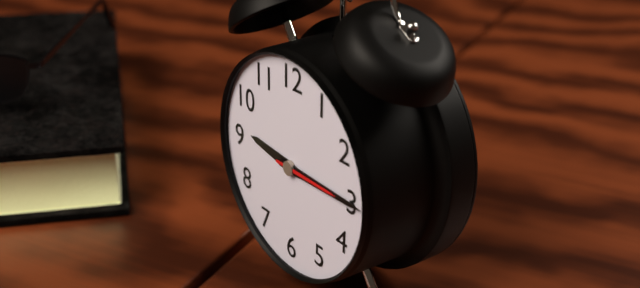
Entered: 9 h 15 min 15 s
